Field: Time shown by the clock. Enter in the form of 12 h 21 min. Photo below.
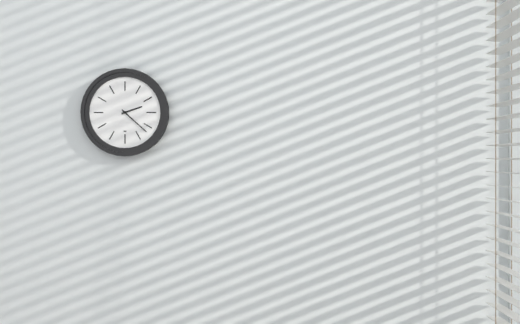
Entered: 2 h 22 min
